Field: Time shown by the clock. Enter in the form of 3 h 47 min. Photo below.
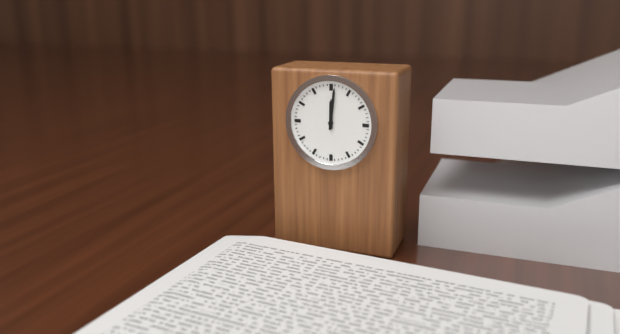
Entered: 12 h 01 min
